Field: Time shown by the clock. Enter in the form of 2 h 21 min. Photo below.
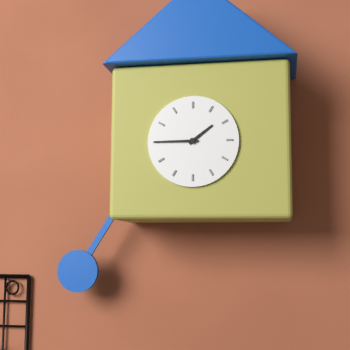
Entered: 1 h 45 min
